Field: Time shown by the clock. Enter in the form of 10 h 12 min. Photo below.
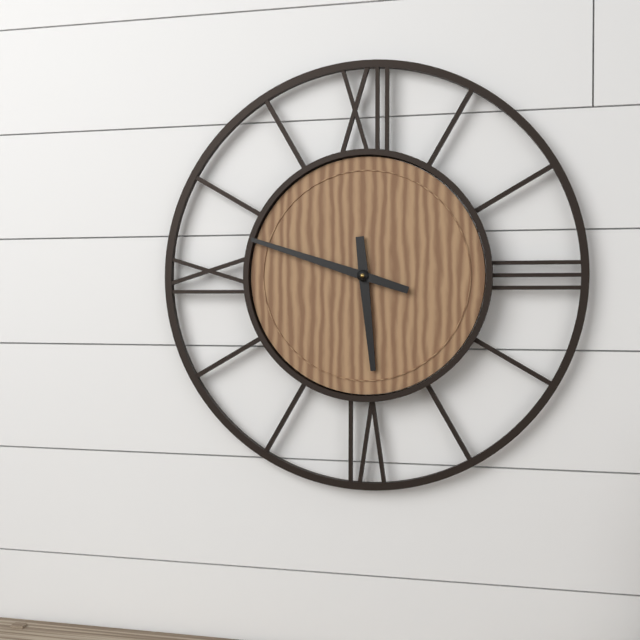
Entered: 5 h 48 min
